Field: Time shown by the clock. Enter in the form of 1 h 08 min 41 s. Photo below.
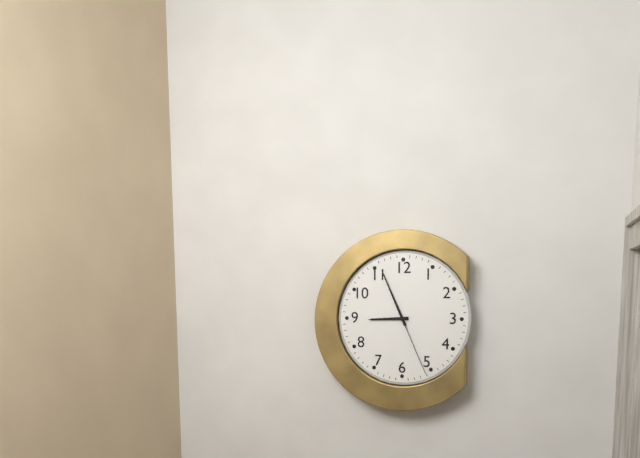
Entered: 8 h 56 min 26 s
